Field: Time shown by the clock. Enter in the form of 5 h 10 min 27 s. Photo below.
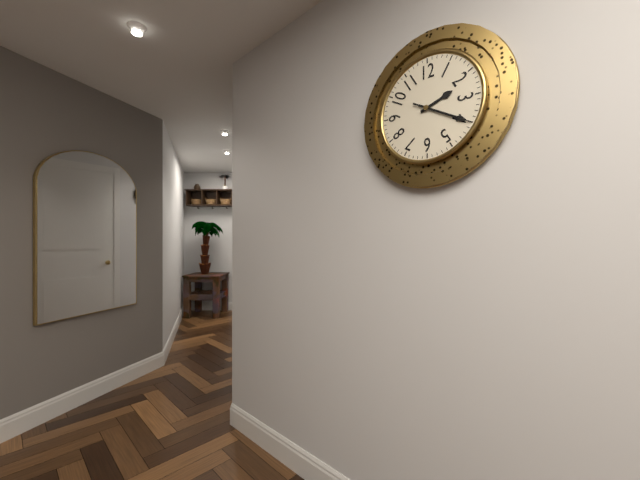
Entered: 2 h 20 min 20 s
